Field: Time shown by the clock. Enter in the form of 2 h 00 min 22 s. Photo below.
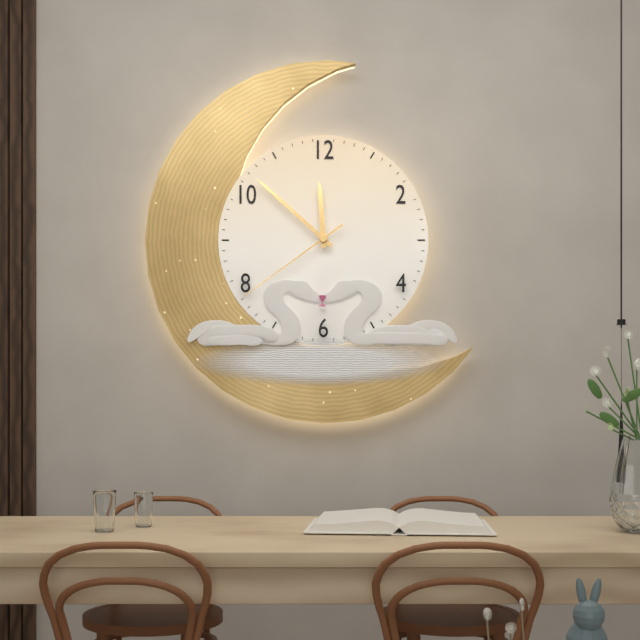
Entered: 11 h 52 min 39 s
